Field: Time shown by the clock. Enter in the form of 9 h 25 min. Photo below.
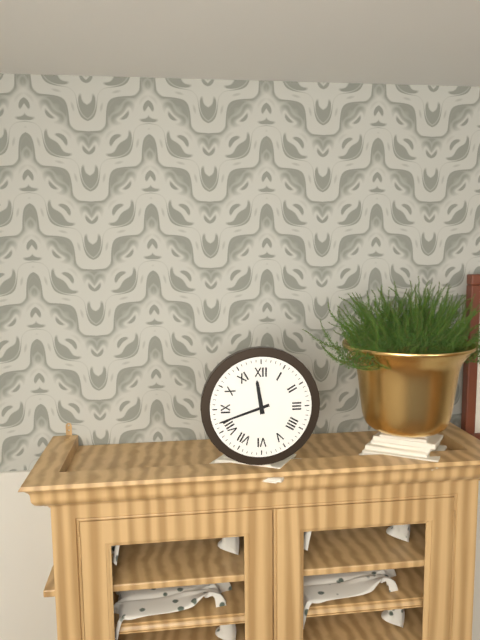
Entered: 11 h 42 min
